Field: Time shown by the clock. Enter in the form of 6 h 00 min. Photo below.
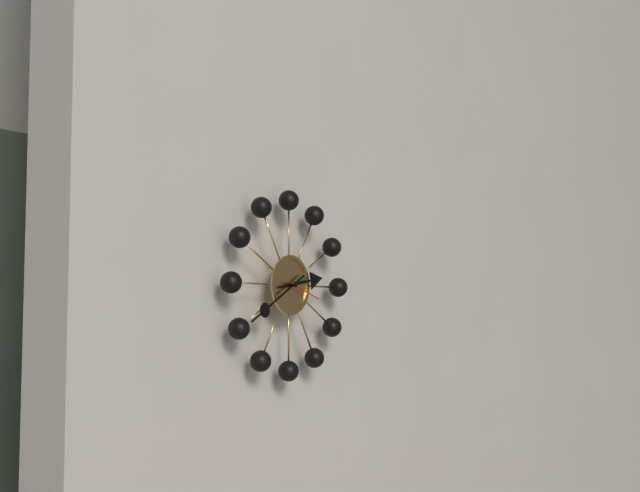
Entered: 2 h 40 min
